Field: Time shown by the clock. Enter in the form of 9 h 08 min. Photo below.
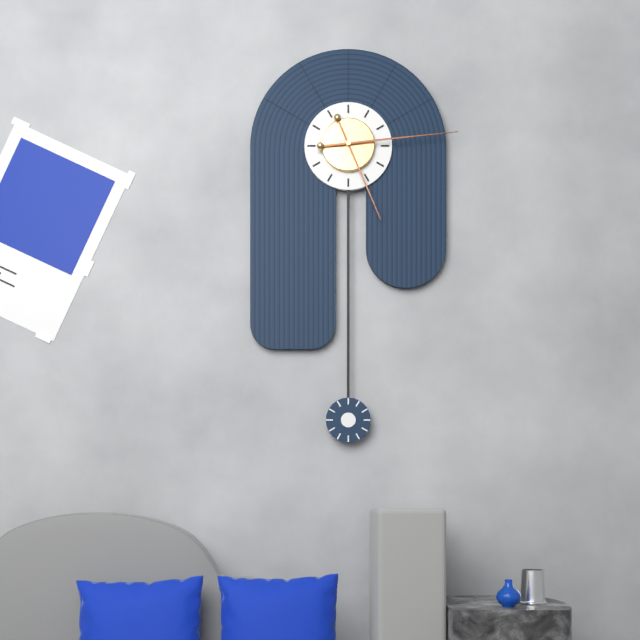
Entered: 5 h 14 min
